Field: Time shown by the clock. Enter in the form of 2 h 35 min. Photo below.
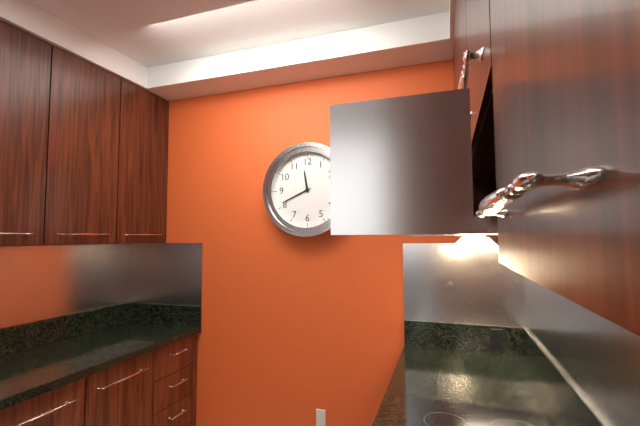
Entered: 11 h 41 min
